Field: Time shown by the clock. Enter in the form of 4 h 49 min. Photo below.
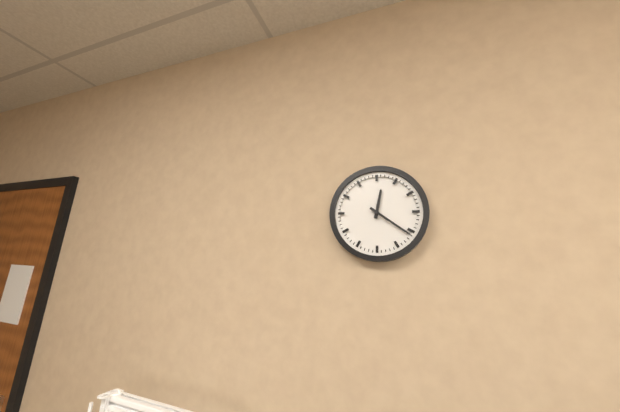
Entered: 12 h 21 min
